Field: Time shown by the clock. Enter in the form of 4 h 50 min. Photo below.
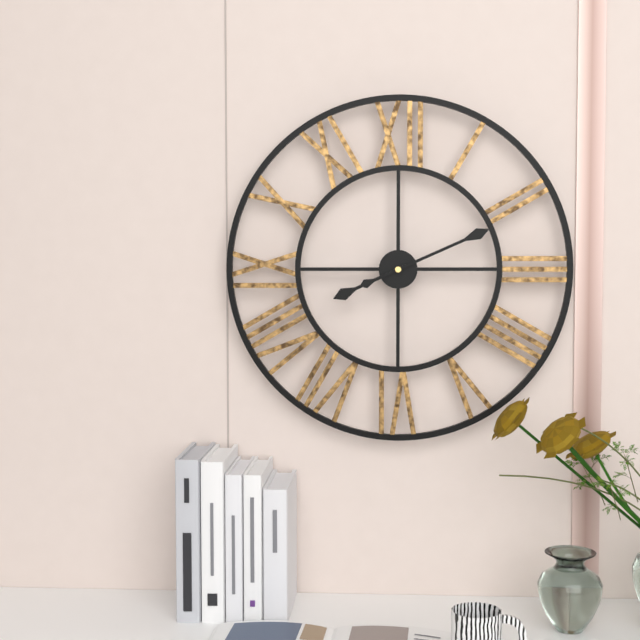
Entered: 8 h 11 min
